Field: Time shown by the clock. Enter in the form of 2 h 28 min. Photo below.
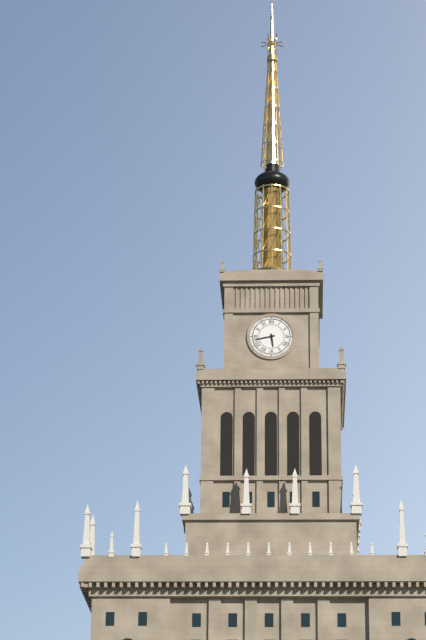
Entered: 5 h 43 min
